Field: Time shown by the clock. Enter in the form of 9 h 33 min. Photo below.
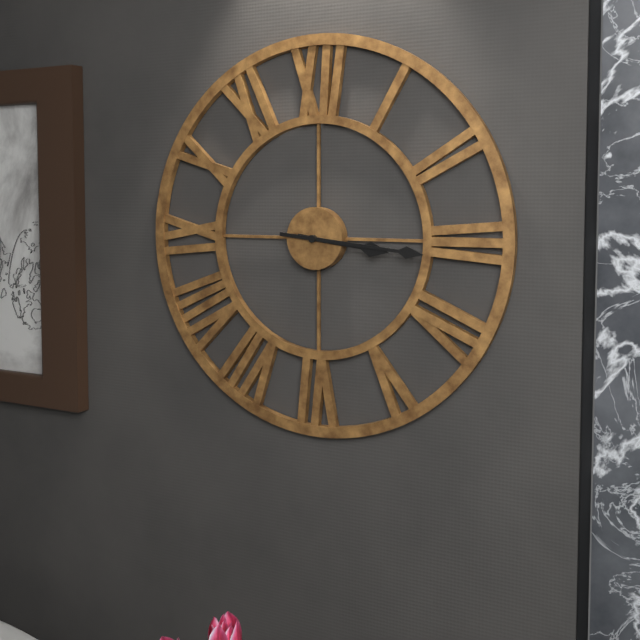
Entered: 3 h 16 min
